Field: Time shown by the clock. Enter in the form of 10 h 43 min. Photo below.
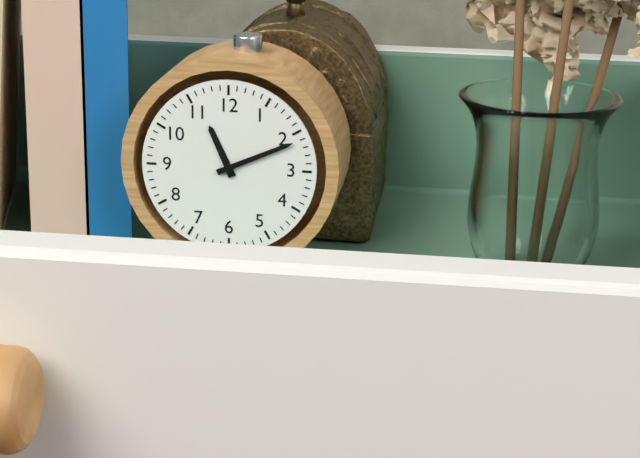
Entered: 11 h 11 min
